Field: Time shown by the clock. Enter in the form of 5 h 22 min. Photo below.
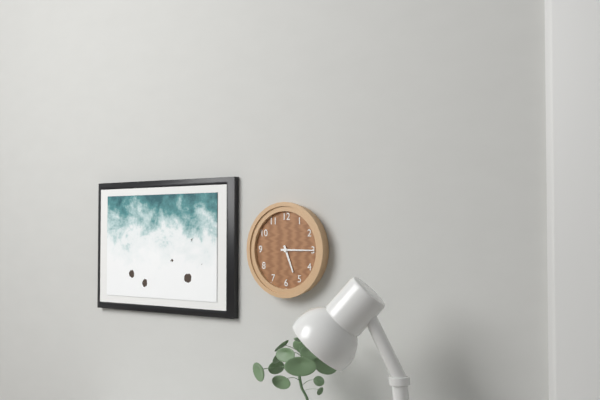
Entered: 5 h 15 min
